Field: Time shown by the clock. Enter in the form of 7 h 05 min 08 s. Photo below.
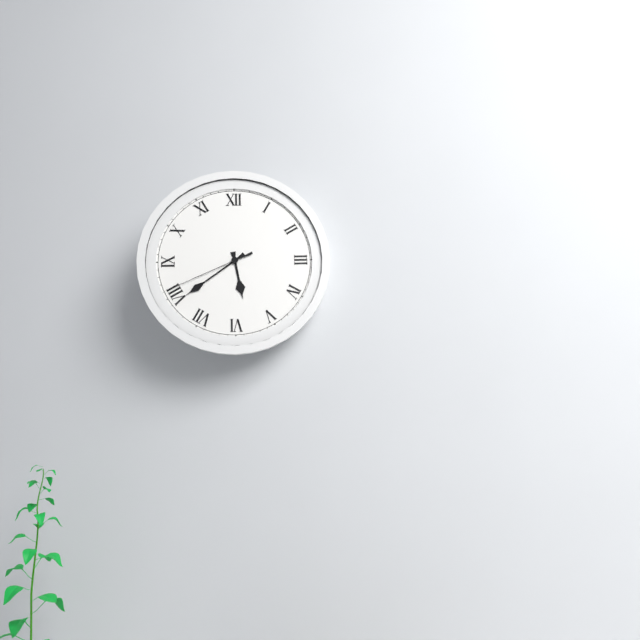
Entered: 5 h 39 min 41 s
